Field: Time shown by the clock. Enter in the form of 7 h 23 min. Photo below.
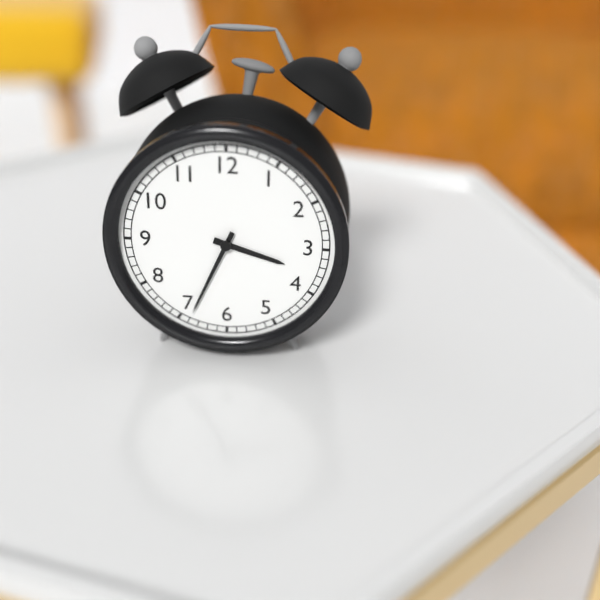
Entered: 3 h 34 min
